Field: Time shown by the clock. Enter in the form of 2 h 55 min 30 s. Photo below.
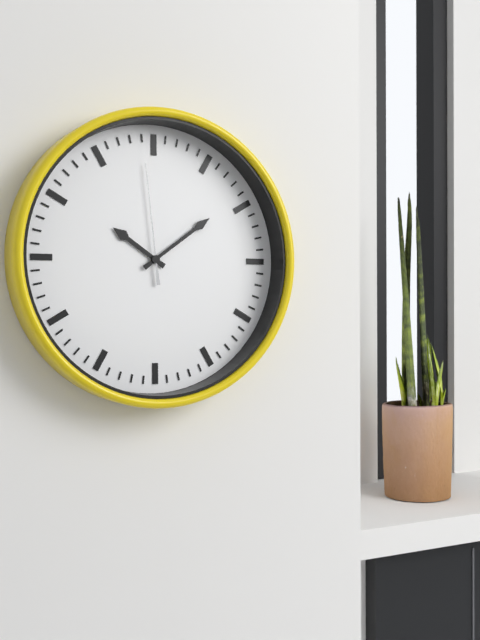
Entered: 10 h 09 min 59 s
